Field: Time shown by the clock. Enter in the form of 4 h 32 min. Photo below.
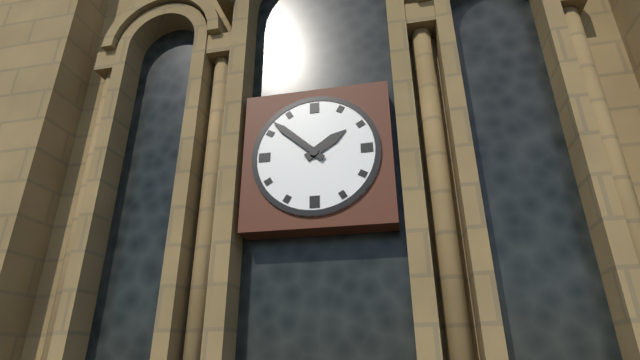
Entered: 1 h 52 min
